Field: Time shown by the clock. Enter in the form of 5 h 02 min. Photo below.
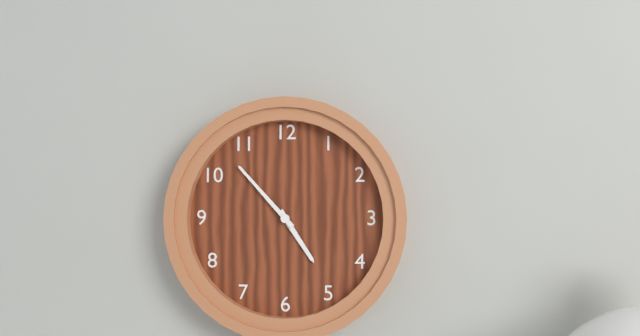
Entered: 4 h 53 min
